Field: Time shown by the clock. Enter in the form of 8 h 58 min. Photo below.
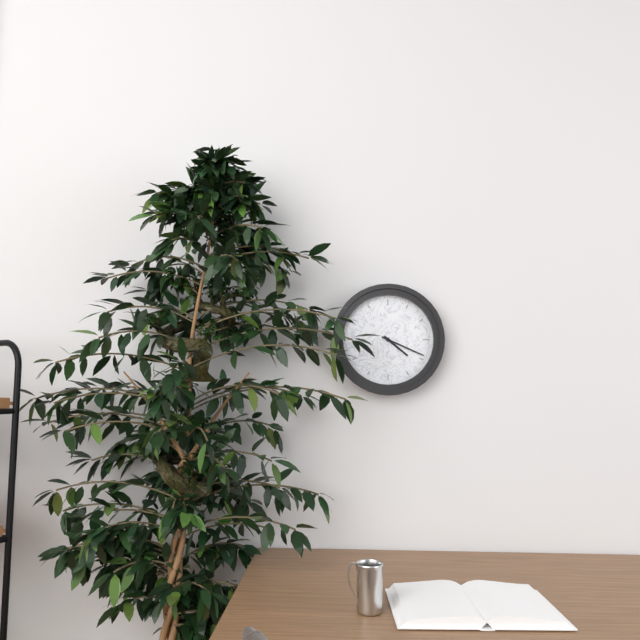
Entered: 4 h 19 min
